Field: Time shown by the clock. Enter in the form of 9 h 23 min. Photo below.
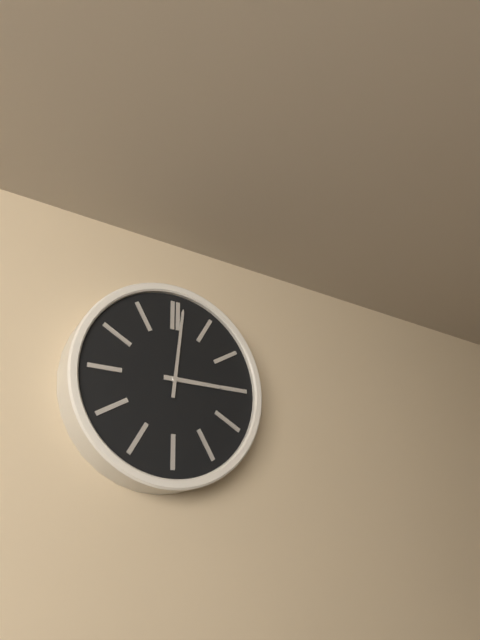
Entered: 3 h 01 min
